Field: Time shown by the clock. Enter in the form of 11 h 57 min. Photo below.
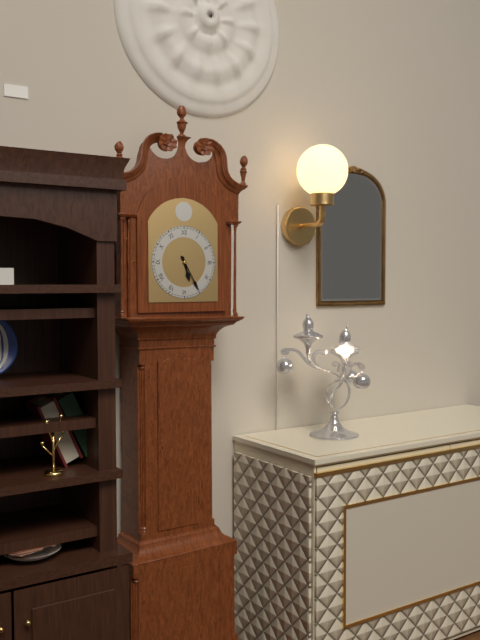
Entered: 5 h 25 min
